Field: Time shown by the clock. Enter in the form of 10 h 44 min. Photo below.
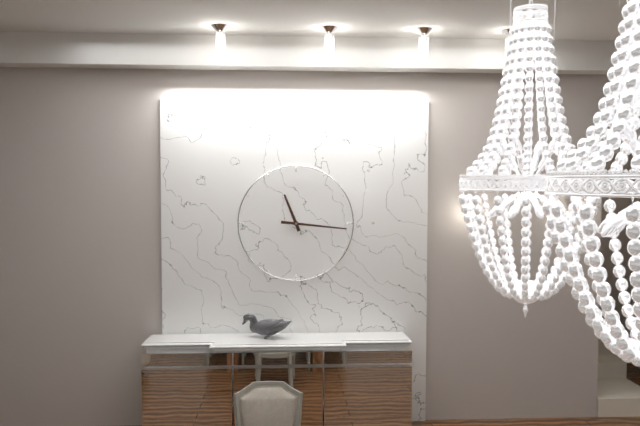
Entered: 11 h 16 min
